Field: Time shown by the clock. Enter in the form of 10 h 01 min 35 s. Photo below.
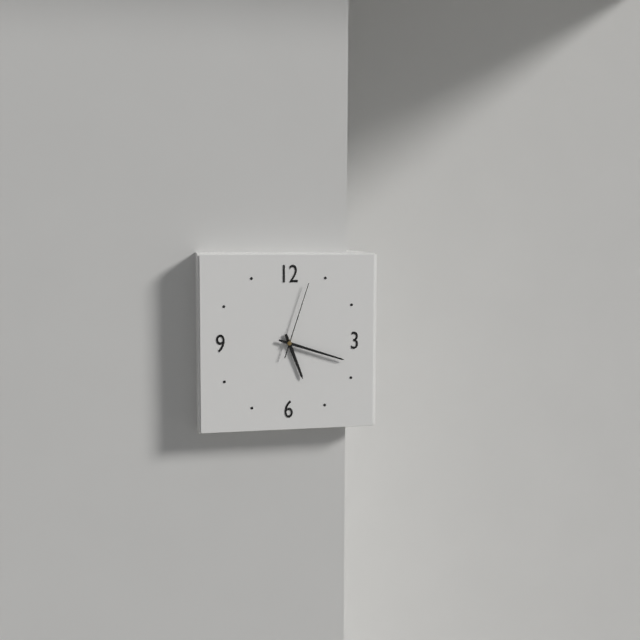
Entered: 5 h 18 min 03 s
